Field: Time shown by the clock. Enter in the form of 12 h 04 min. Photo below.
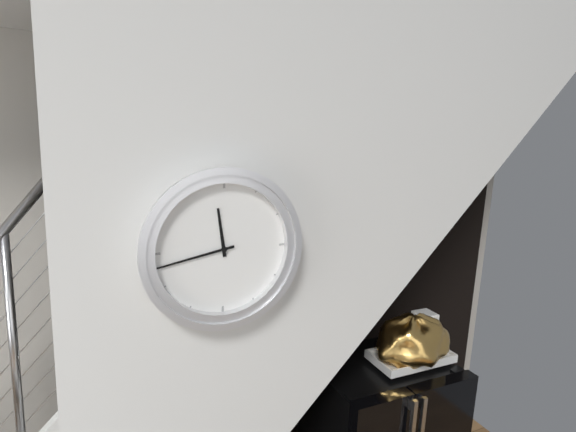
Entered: 11 h 43 min
